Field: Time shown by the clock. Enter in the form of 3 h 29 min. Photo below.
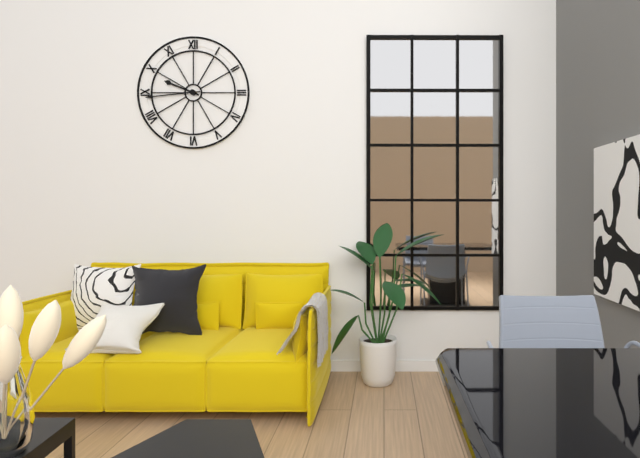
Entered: 9 h 44 min
